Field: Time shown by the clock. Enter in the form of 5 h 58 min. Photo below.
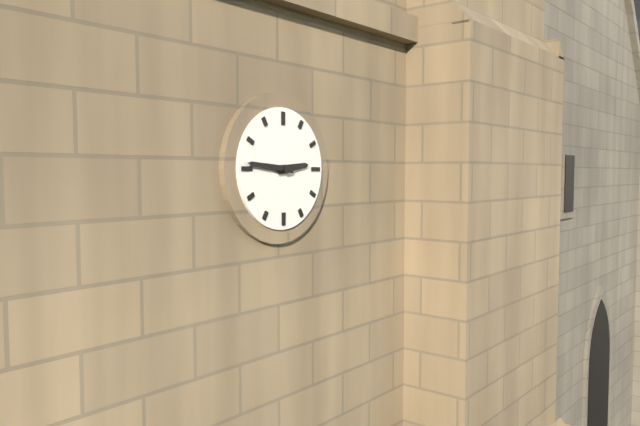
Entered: 2 h 46 min
